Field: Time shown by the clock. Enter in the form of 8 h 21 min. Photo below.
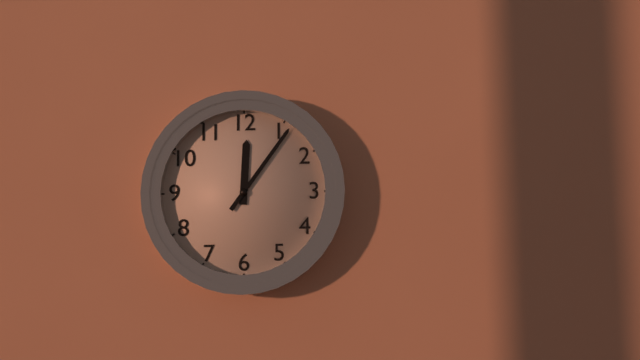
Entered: 12 h 06 min
